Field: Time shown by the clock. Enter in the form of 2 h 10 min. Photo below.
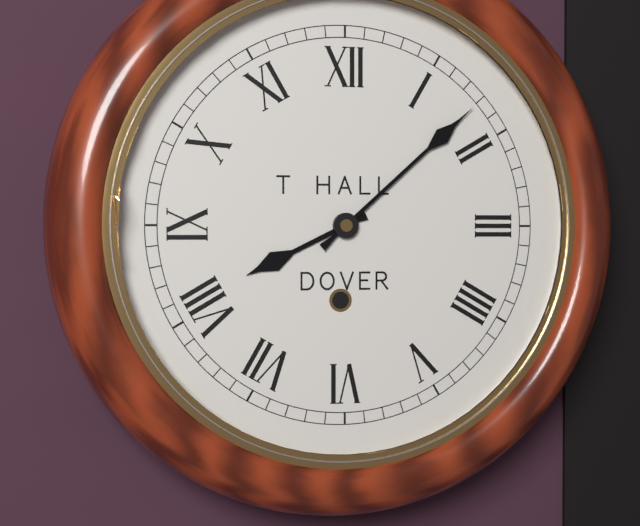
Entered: 8 h 08 min
